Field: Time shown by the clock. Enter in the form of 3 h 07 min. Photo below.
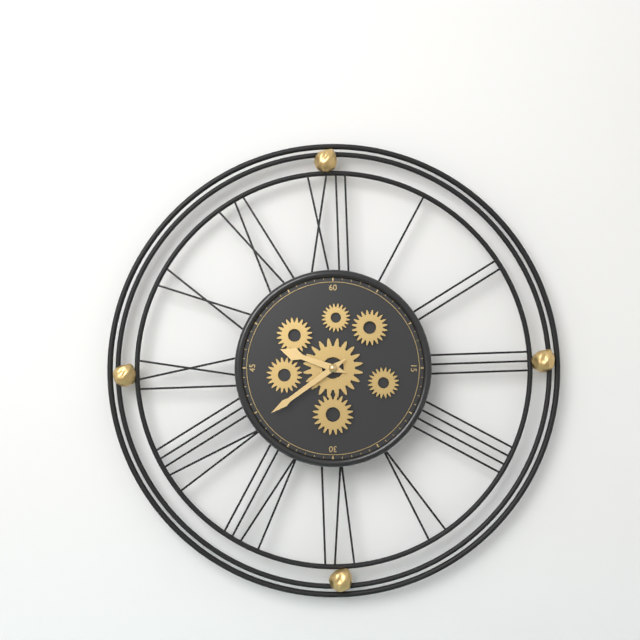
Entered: 9 h 39 min
